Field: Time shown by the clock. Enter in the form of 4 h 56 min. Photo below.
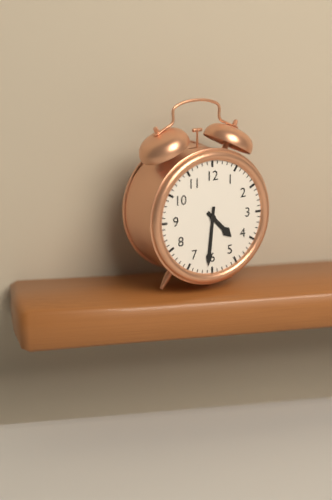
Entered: 4 h 31 min
